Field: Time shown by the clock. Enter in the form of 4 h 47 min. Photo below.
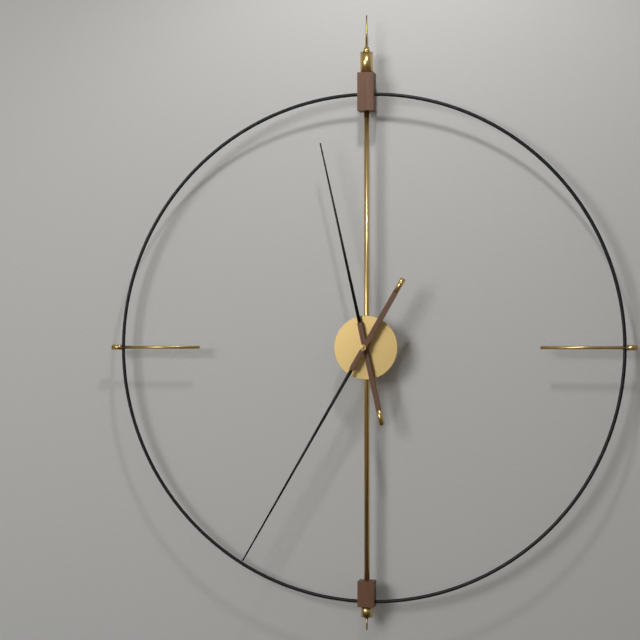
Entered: 11 h 35 min
